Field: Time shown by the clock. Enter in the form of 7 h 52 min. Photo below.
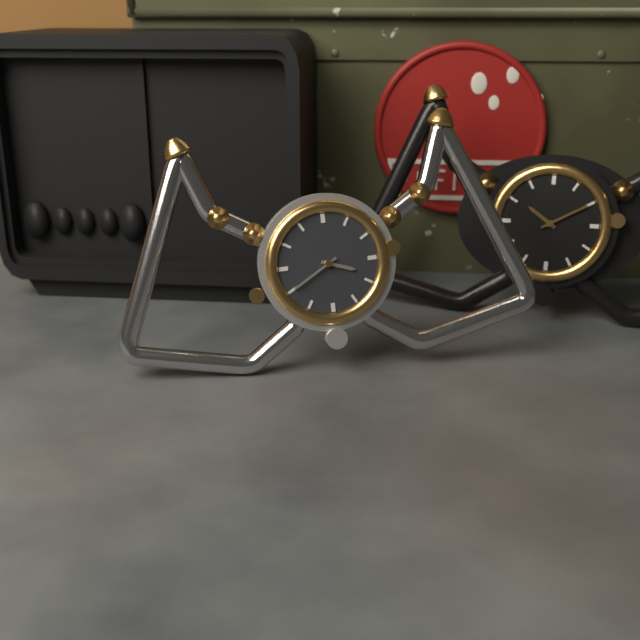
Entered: 3 h 40 min
